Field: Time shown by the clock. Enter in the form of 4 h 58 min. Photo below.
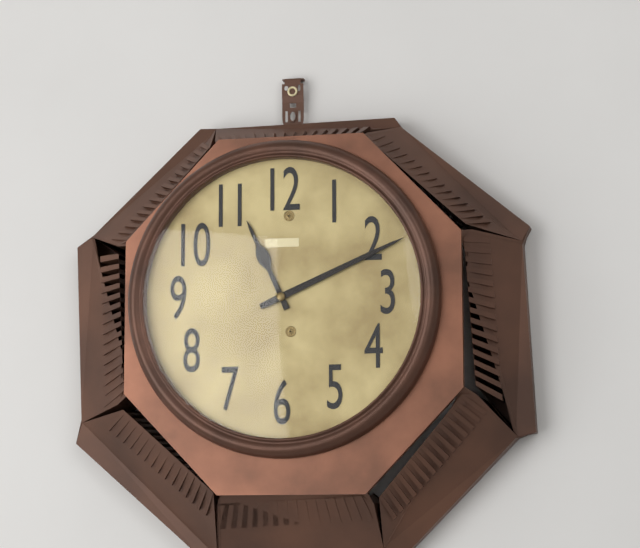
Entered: 11 h 11 min
